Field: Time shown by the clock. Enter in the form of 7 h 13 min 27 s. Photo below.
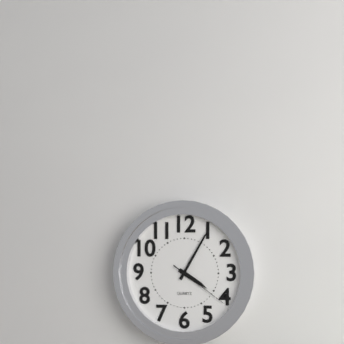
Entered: 4 h 05 min 21 s
